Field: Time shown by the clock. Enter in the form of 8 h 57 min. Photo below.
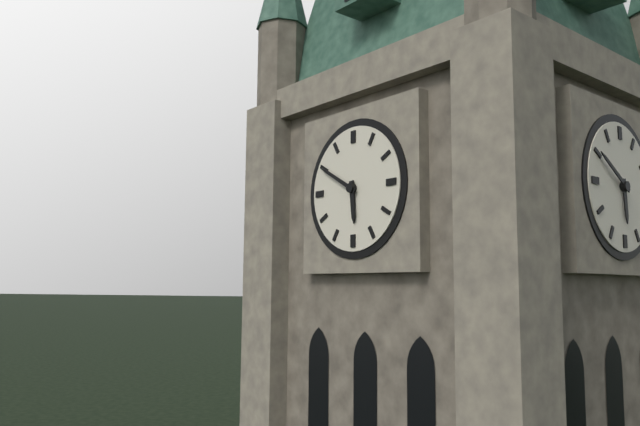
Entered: 5 h 50 min
